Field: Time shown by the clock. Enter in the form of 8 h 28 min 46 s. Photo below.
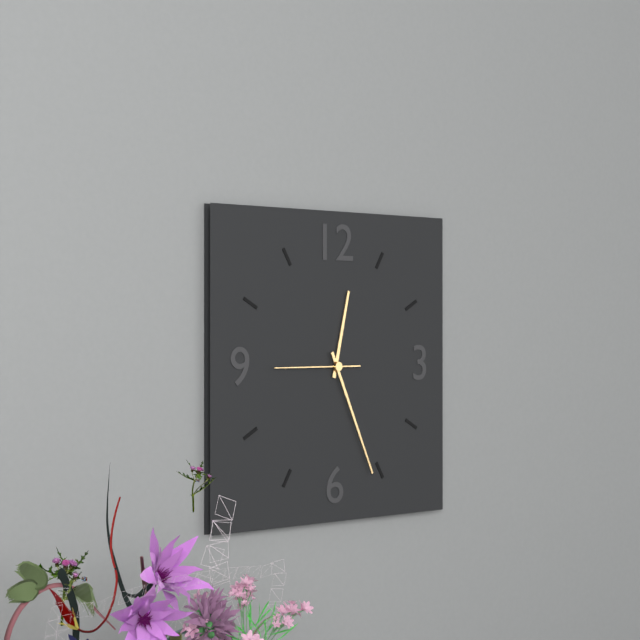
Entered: 12 h 26 min 45 s
